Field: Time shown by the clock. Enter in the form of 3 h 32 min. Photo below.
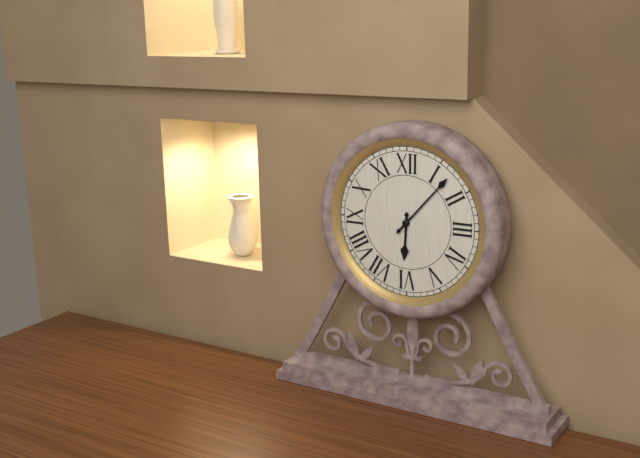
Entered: 6 h 07 min
